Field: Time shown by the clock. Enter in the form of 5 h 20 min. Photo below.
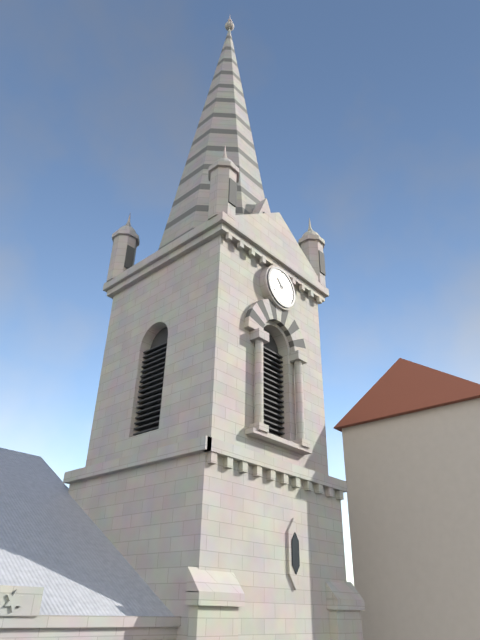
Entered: 10 h 39 min
